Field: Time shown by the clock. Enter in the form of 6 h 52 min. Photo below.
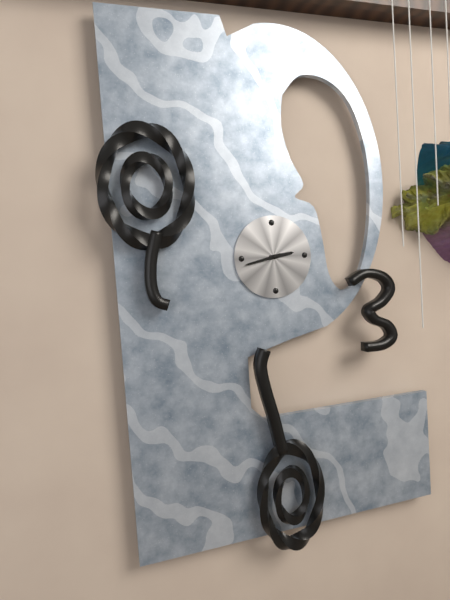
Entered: 2 h 43 min
